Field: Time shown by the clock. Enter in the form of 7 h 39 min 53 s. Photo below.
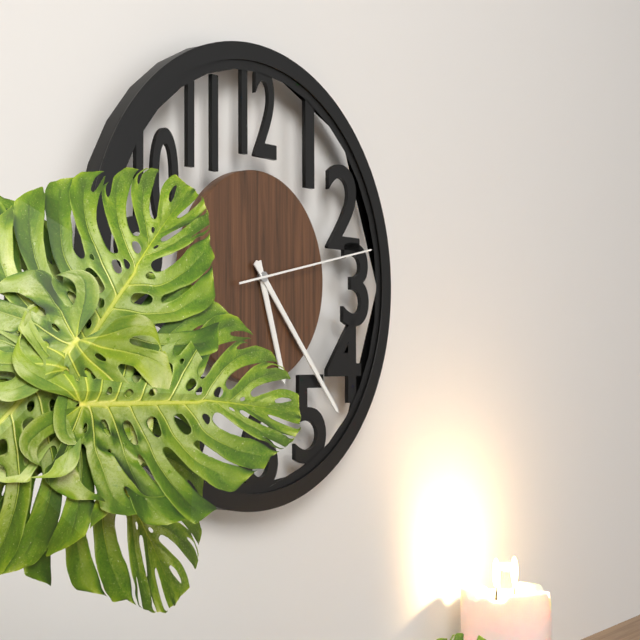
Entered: 5 h 23 min 13 s
